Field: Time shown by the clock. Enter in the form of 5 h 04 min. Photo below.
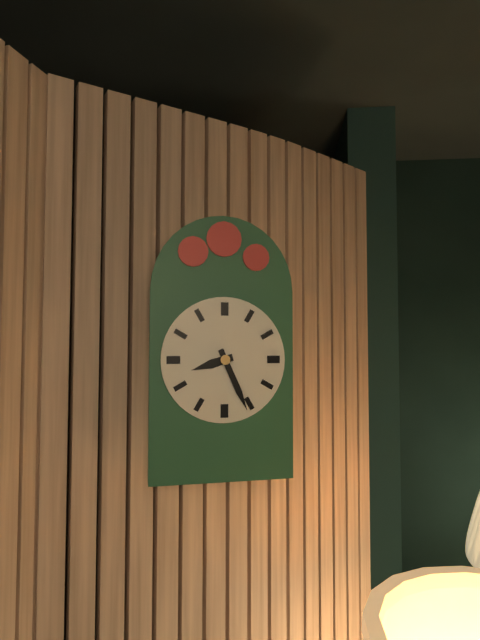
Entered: 8 h 26 min
